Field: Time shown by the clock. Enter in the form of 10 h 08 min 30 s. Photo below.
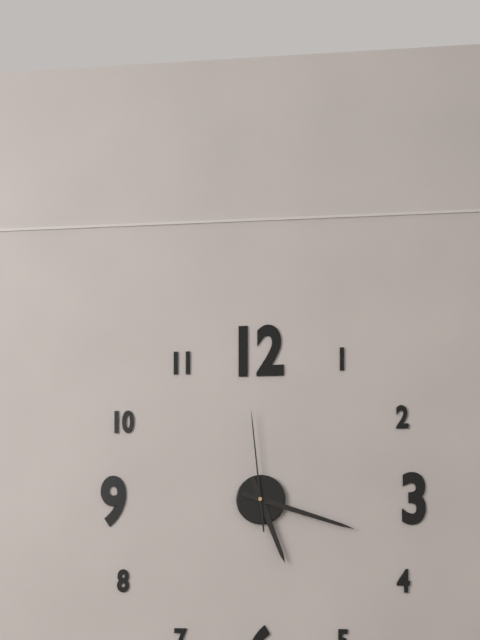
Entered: 5 h 18 min 59 s
